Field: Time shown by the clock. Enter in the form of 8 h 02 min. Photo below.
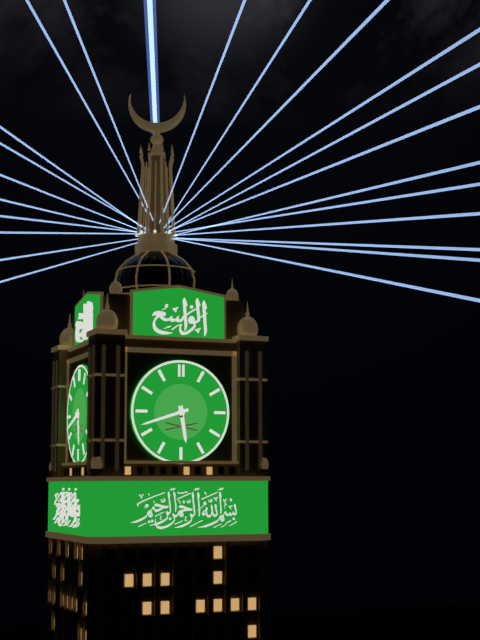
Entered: 5 h 42 min
